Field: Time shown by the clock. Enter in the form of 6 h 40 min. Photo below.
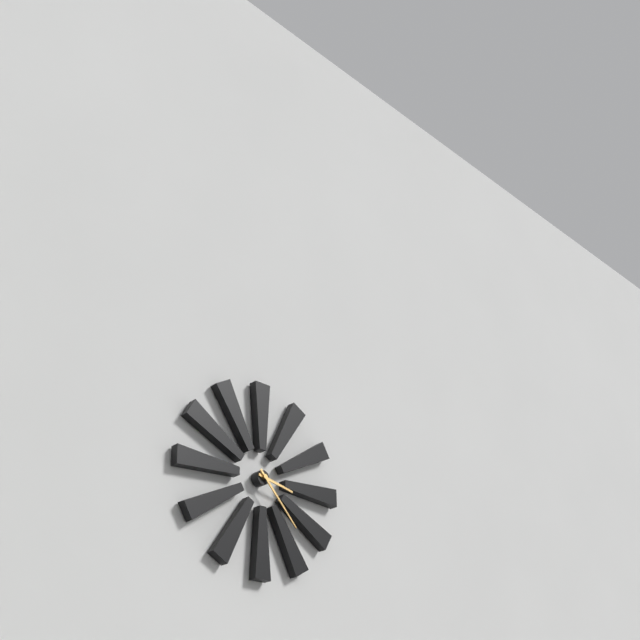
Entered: 3 h 23 min
